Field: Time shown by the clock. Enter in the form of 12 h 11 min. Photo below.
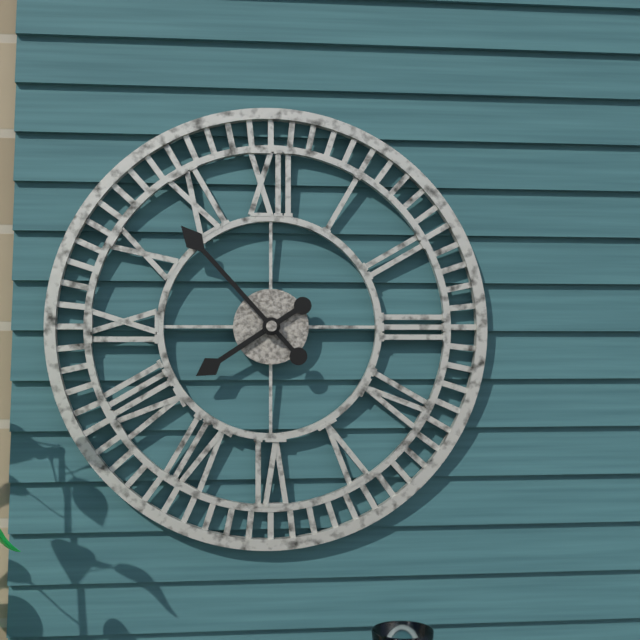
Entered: 7 h 53 min
